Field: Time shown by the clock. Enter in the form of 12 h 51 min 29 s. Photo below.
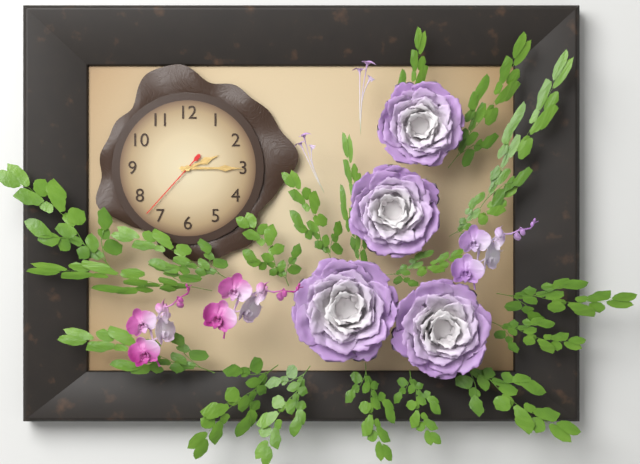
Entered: 2 h 15 min 37 s
